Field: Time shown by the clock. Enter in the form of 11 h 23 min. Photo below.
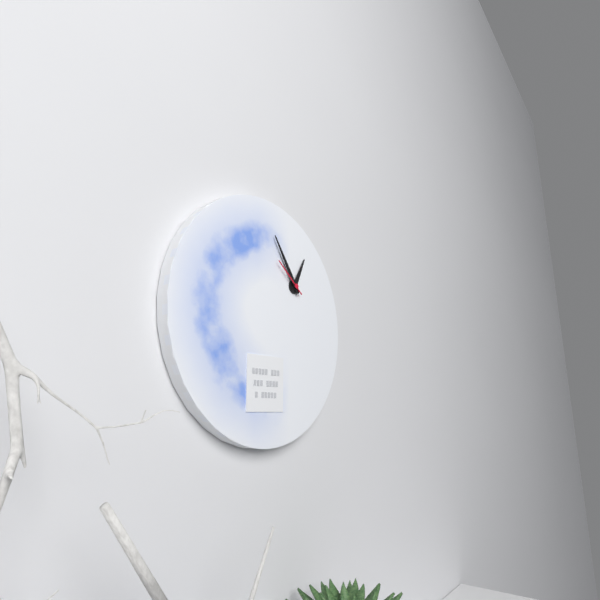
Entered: 12 h 54 min
